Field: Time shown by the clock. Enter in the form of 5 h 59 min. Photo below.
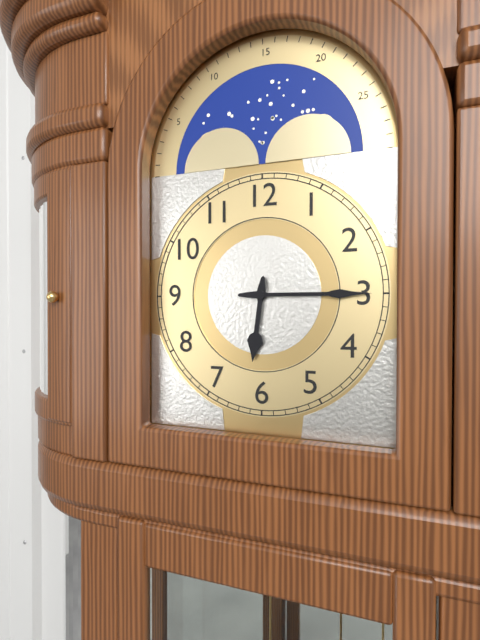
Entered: 6 h 15 min
